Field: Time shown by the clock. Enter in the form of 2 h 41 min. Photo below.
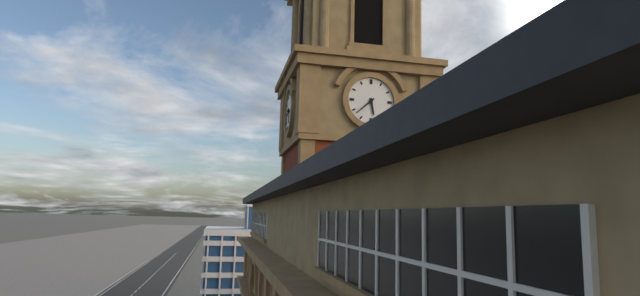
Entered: 5 h 38 min
